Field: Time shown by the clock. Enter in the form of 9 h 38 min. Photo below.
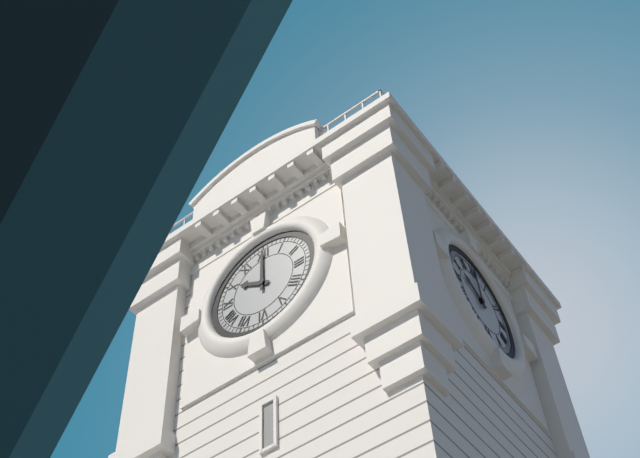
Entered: 10 h 00 min
